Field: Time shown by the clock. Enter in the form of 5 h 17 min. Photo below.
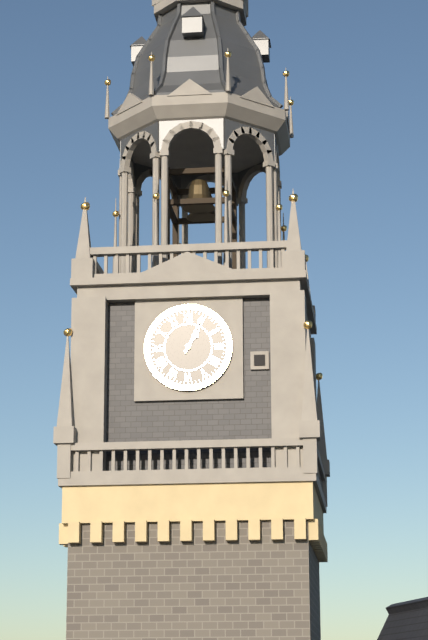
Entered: 1 h 04 min
